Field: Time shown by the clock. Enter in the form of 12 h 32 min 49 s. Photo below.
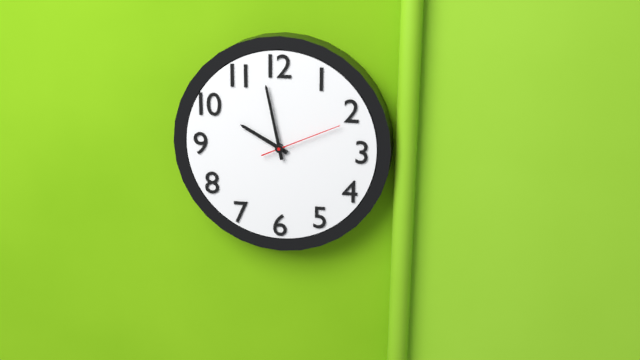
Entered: 9 h 58 min 11 s
